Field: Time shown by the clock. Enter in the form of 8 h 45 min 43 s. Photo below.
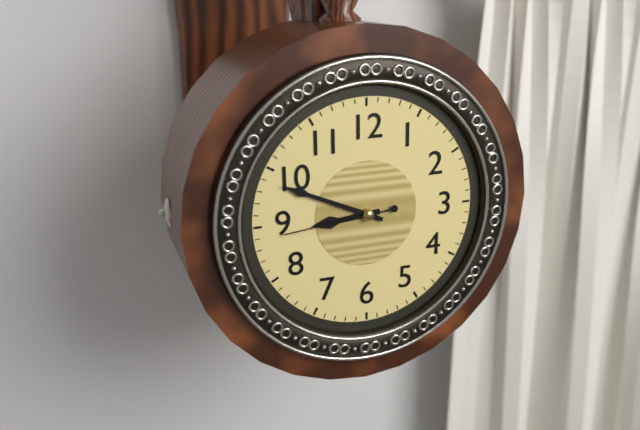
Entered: 8 h 49 min 44 s
